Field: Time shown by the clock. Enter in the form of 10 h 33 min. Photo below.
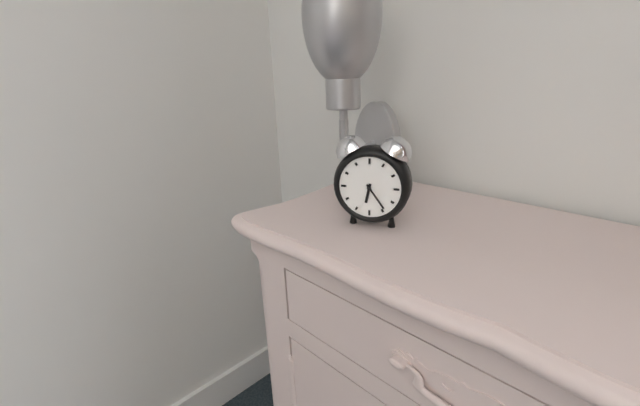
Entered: 6 h 24 min
